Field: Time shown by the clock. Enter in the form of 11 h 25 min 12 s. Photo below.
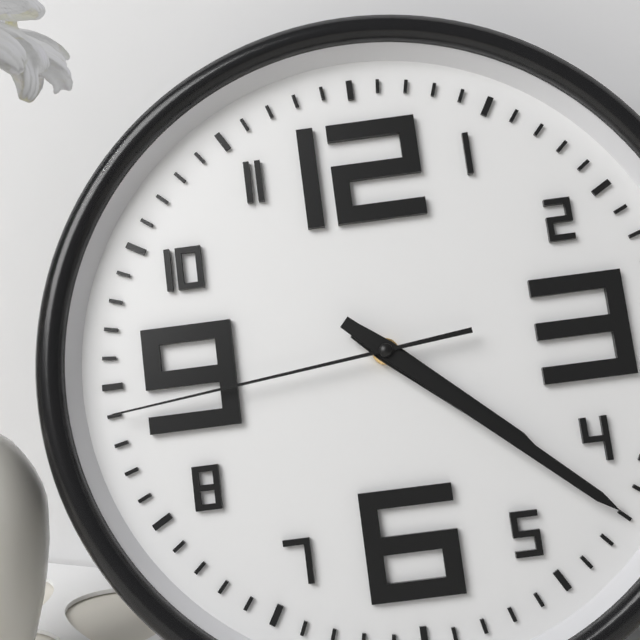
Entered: 4 h 22 min 44 s
